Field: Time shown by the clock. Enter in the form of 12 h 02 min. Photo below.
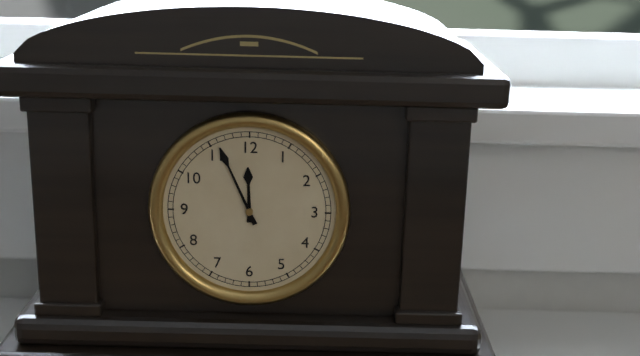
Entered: 11 h 56 min
